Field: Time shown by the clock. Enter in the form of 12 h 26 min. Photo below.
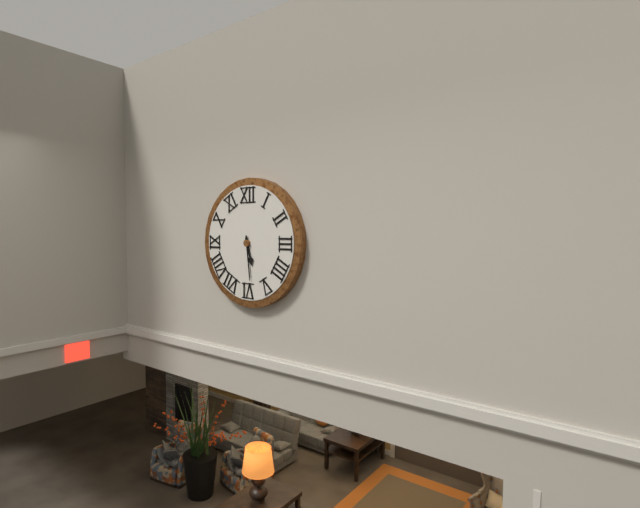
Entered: 5 h 29 min
